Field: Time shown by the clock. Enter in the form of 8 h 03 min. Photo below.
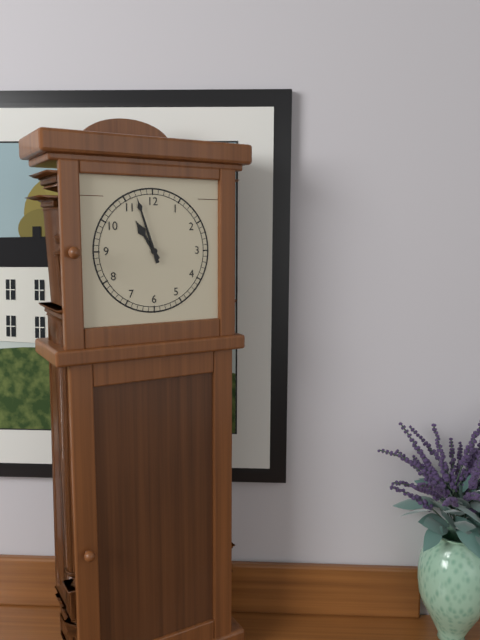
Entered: 10 h 57 min
